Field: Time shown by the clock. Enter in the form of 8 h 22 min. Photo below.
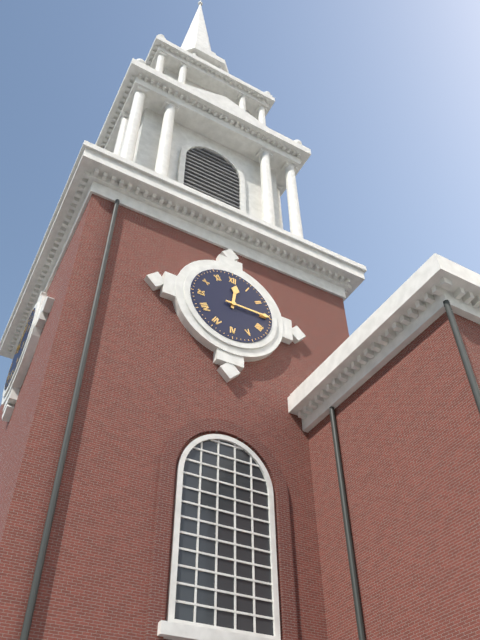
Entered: 12 h 15 min
